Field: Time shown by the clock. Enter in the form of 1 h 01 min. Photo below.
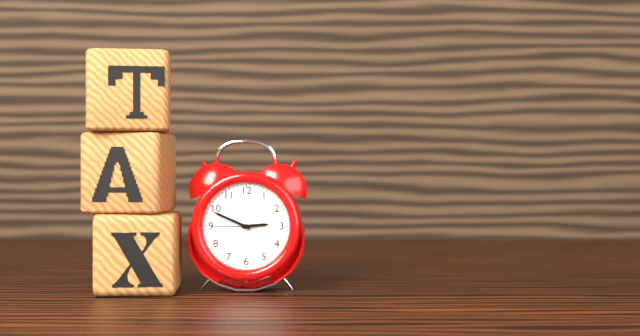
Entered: 2 h 49 min
